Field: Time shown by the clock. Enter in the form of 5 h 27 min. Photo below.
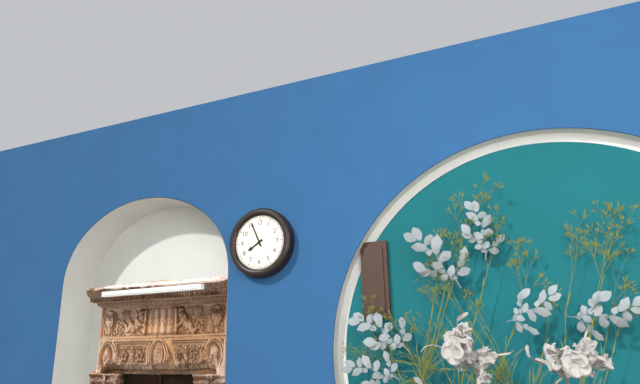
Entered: 7 h 56 min
